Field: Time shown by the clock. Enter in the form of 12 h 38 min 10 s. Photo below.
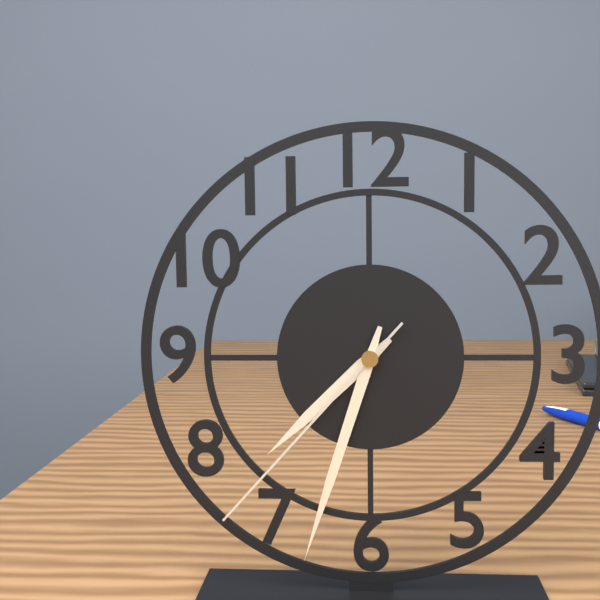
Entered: 7 h 33 min 37 s
